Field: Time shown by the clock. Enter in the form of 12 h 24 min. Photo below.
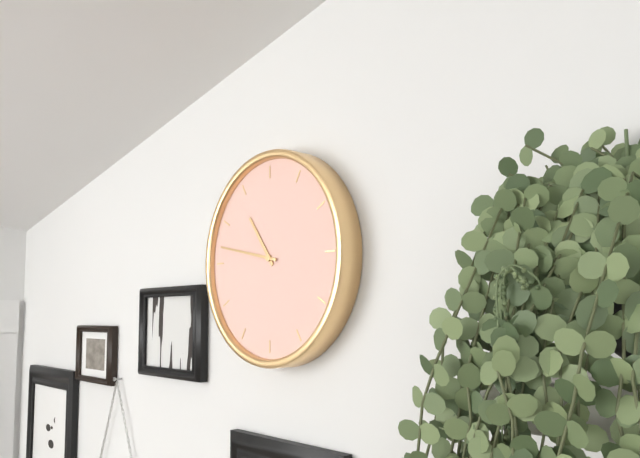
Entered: 10 h 47 min
